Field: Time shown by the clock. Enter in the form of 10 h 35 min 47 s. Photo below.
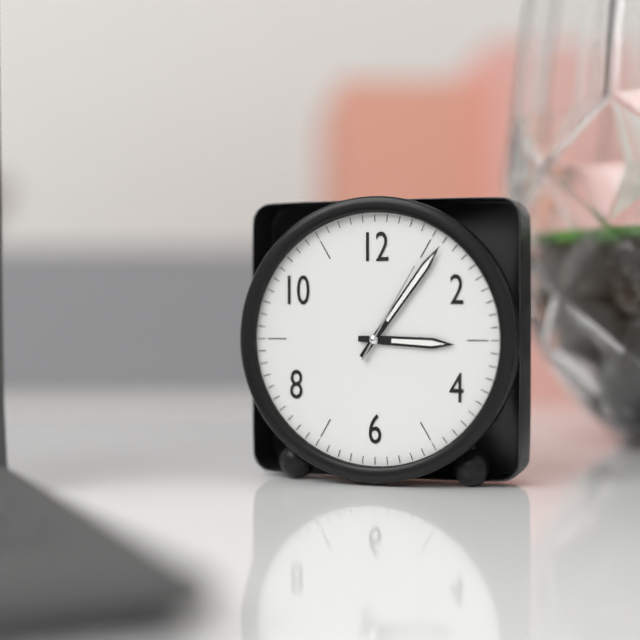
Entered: 3 h 06 min 05 s
